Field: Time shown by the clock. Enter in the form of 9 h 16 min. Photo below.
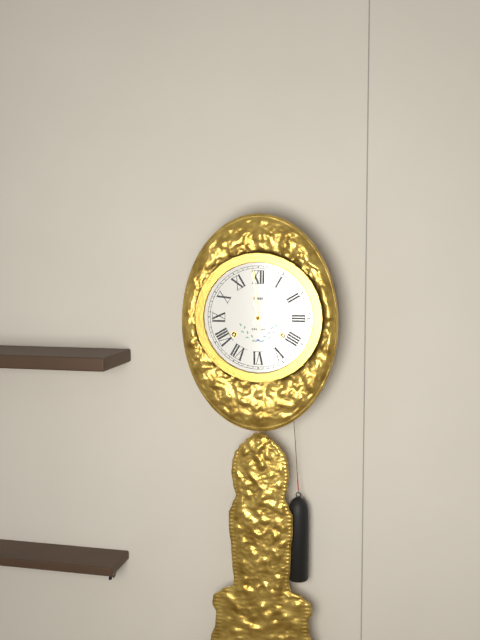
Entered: 12 h 59 min
